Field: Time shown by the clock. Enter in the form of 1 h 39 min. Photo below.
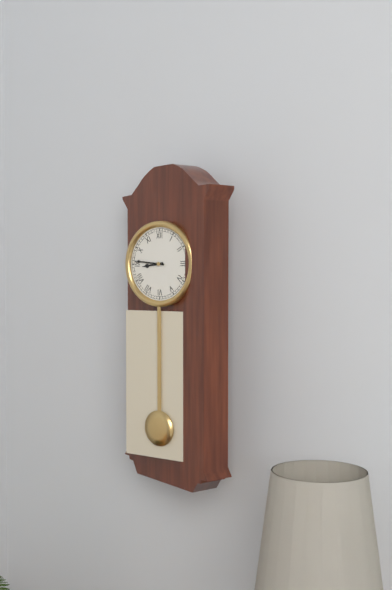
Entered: 8 h 46 min
